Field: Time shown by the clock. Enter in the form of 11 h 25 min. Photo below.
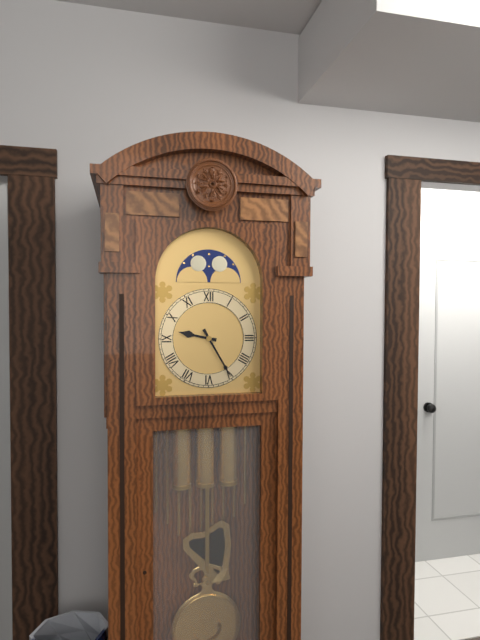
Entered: 9 h 25 min
